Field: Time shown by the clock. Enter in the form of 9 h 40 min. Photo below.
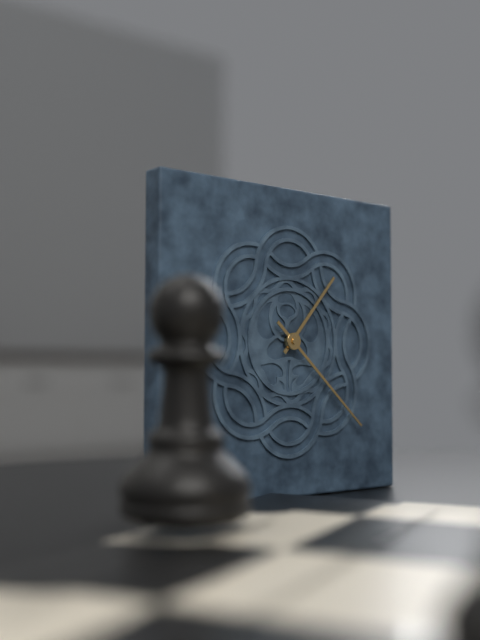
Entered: 1 h 22 min
